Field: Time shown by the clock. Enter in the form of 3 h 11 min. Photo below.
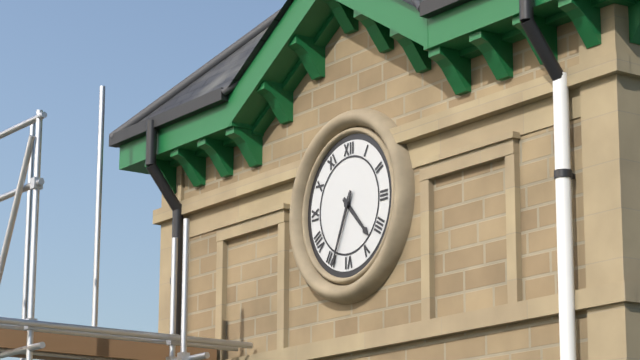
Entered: 4 h 34 min
